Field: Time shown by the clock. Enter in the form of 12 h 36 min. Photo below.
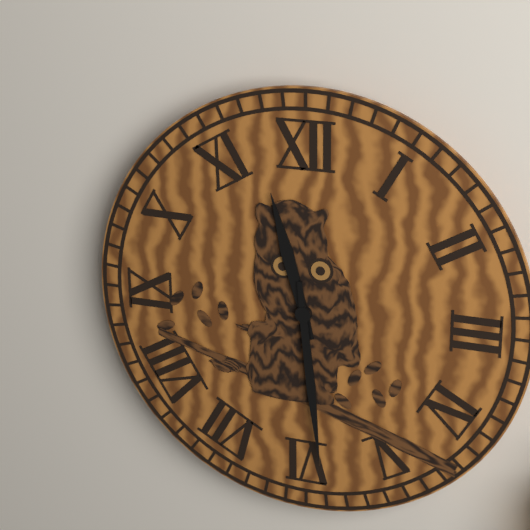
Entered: 11 h 29 min
